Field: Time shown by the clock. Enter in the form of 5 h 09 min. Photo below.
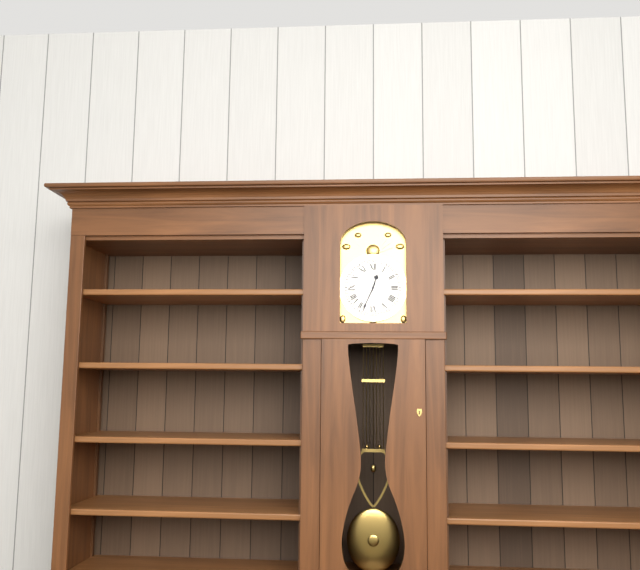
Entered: 12 h 34 min
